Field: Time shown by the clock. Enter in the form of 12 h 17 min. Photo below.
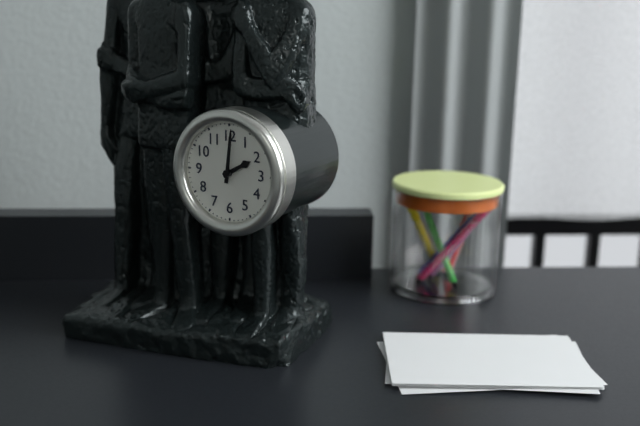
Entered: 2 h 01 min
